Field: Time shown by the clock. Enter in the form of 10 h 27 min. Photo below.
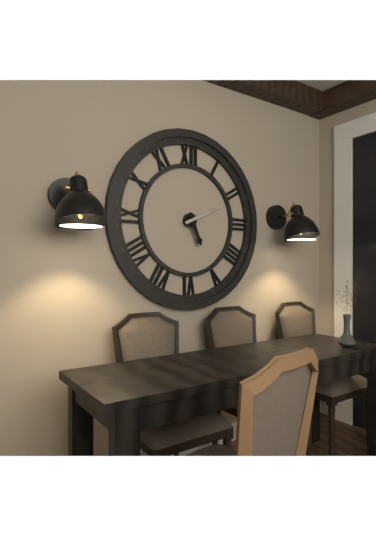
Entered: 5 h 11 min
